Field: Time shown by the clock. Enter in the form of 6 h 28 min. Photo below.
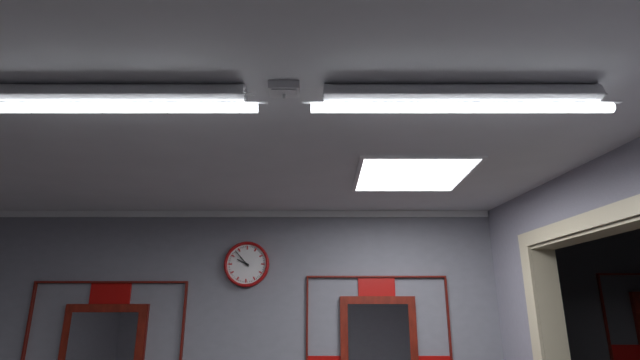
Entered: 9 h 53 min
